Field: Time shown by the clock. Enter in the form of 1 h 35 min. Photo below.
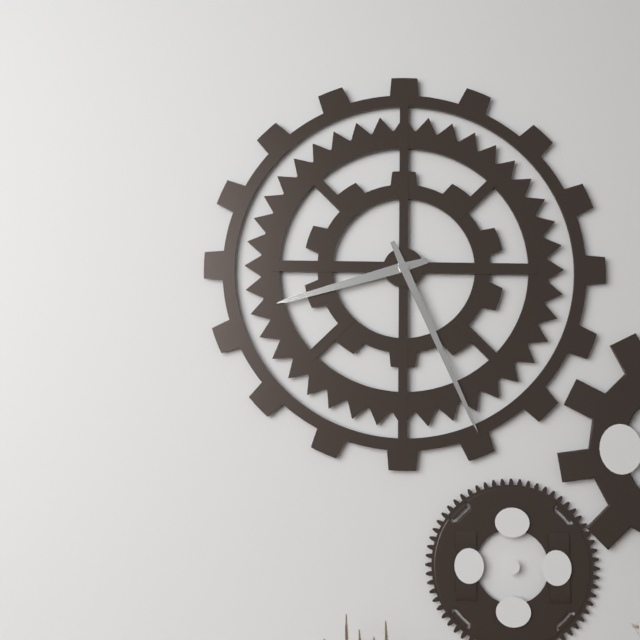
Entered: 8 h 26 min
